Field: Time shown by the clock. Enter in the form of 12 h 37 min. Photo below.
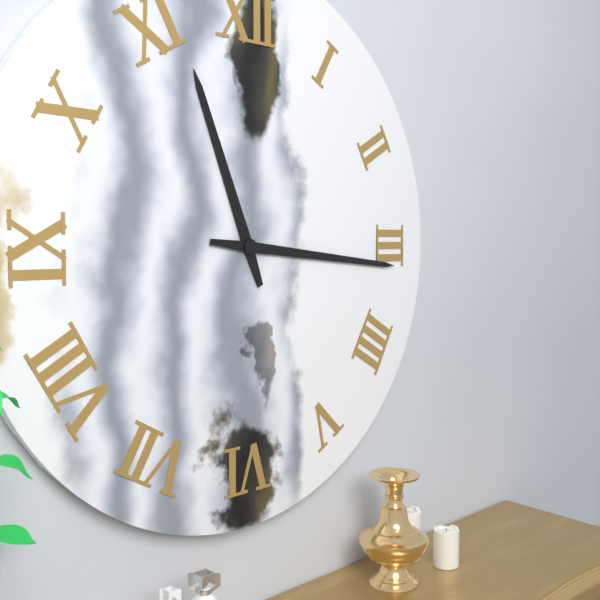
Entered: 11 h 16 min
